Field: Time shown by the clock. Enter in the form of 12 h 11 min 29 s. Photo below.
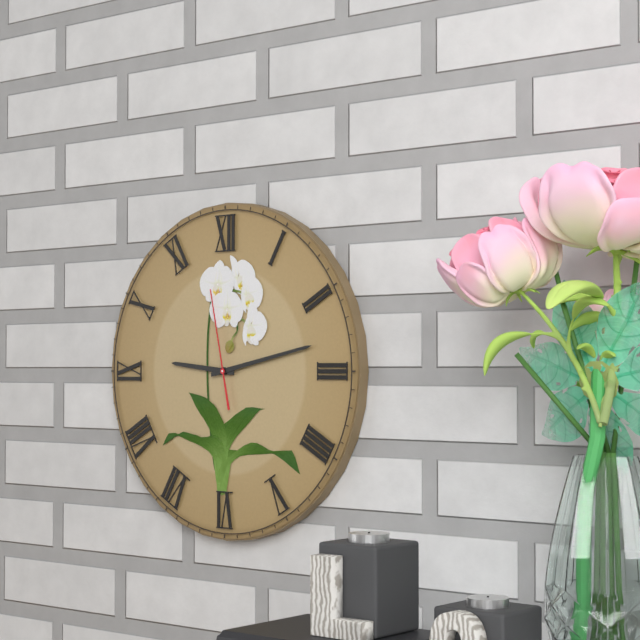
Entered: 9 h 13 min 58 s
